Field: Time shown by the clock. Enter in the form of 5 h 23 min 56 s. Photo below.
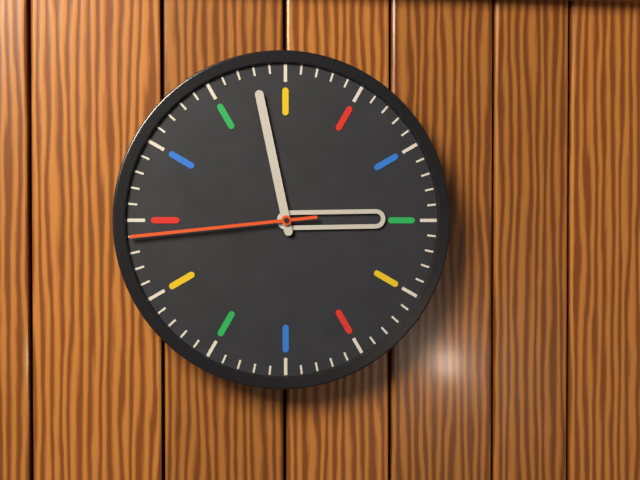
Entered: 2 h 58 min 44 s
